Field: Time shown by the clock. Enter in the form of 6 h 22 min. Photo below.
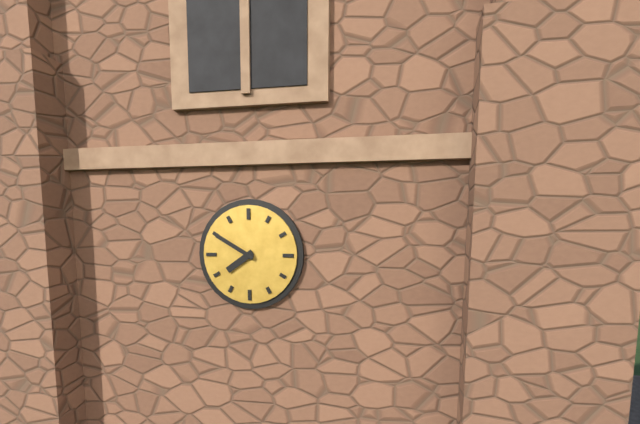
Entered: 7 h 50 min
